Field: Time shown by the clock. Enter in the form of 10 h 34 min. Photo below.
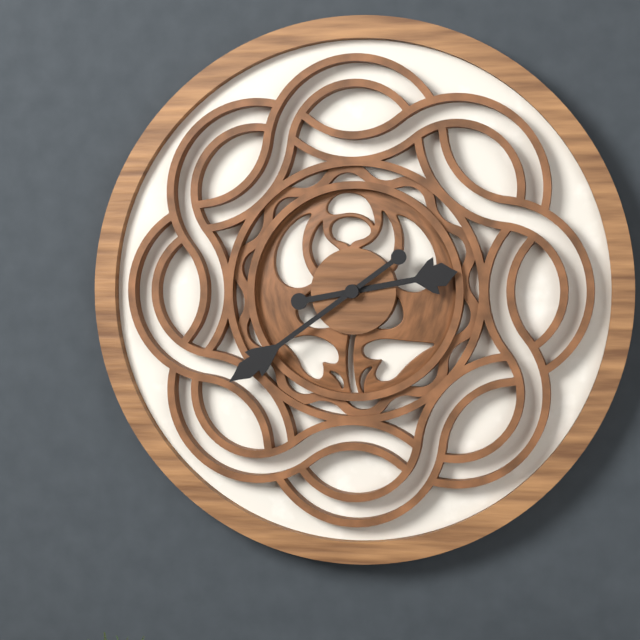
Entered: 2 h 39 min
